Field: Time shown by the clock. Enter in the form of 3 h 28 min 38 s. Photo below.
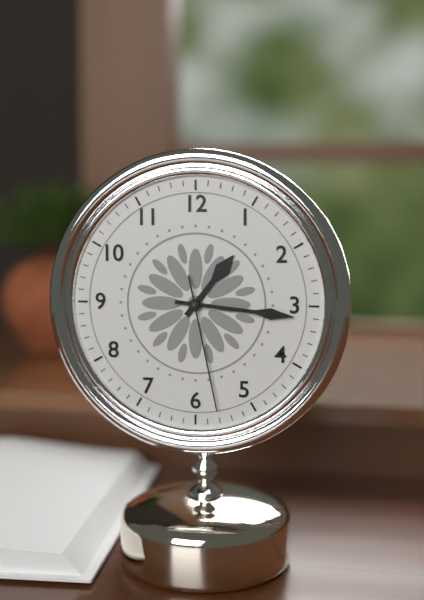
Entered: 1 h 16 min 28 s
